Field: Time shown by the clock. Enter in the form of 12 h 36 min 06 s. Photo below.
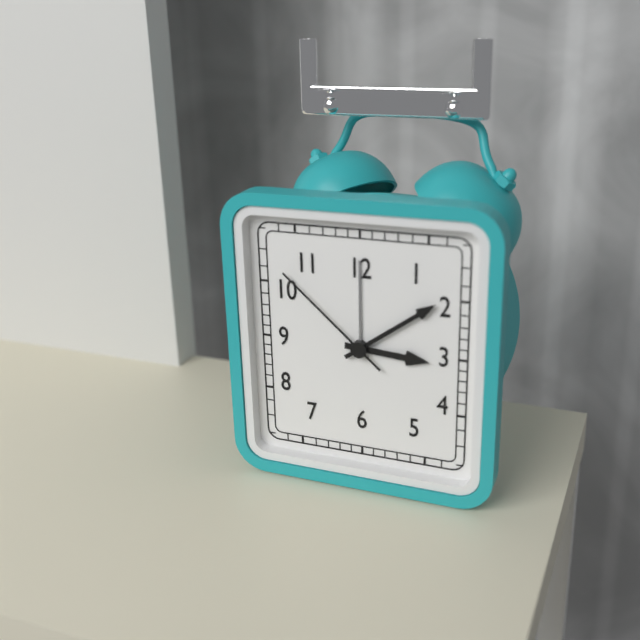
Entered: 3 h 09 min 52 s
